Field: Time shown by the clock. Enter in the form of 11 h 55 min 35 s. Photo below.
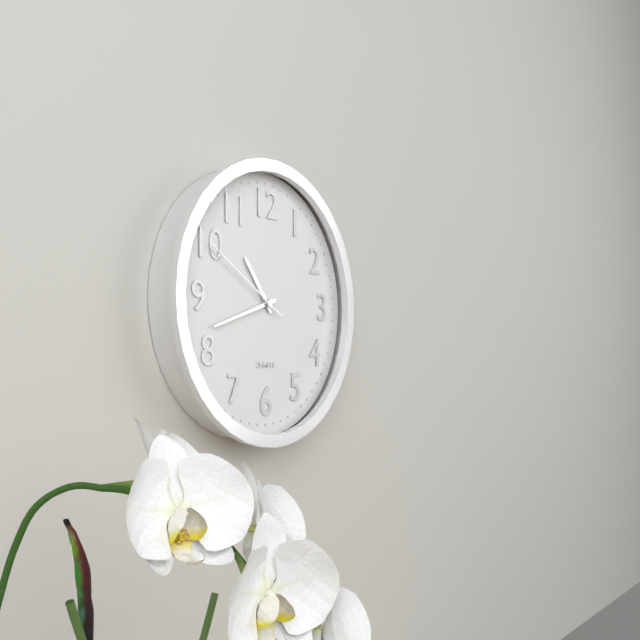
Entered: 10 h 42 min 50 s
